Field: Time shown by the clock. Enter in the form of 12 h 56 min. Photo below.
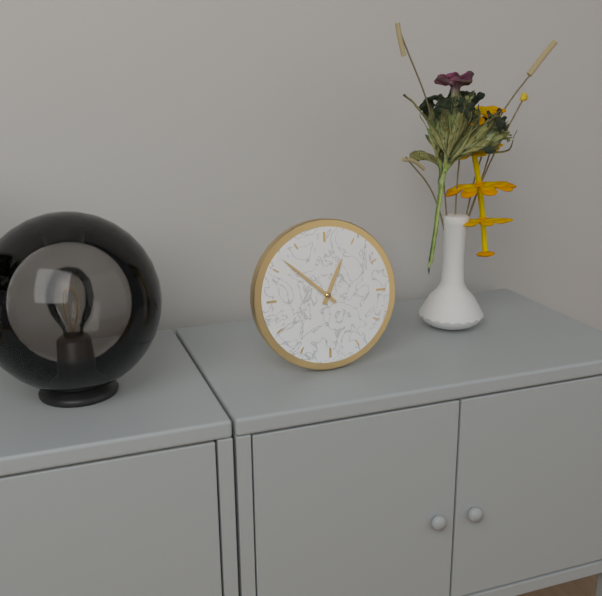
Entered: 12 h 52 min
